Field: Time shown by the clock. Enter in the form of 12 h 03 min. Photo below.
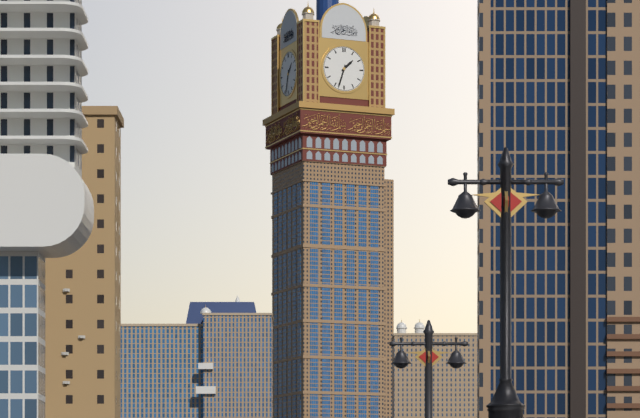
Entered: 1 h 33 min
